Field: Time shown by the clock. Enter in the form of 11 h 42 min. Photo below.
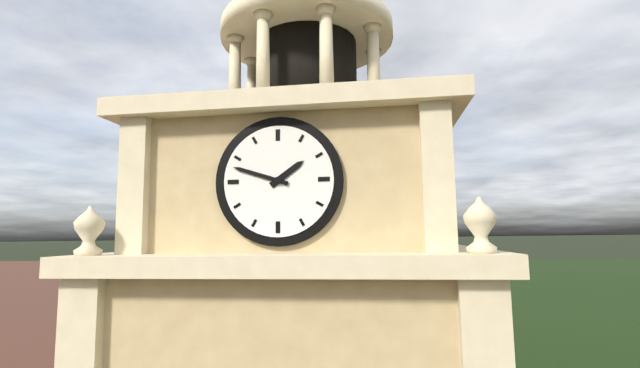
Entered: 1 h 48 min
